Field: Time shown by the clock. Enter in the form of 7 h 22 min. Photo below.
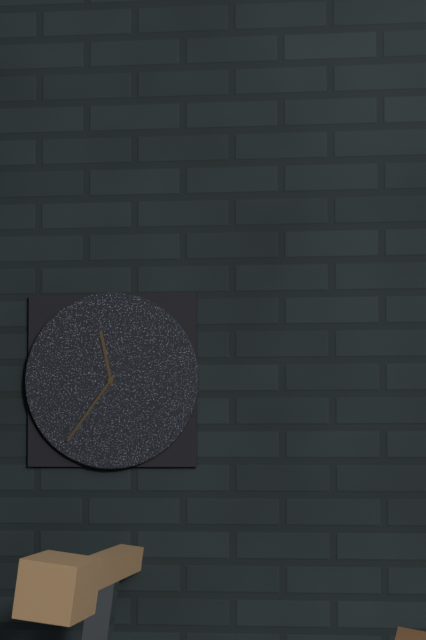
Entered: 11 h 36 min
